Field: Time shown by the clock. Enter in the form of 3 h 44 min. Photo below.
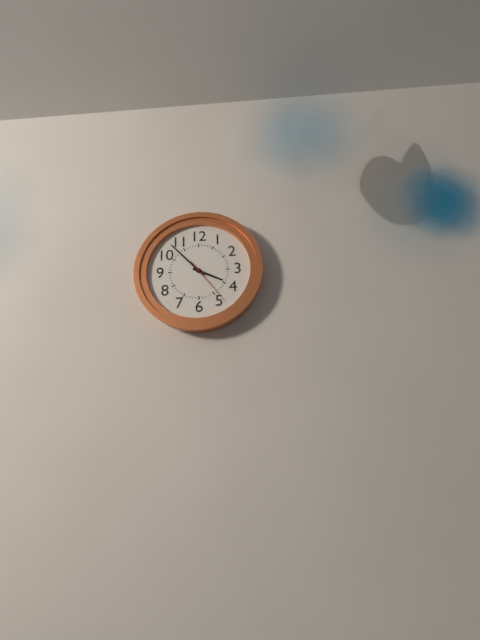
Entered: 3 h 53 min
